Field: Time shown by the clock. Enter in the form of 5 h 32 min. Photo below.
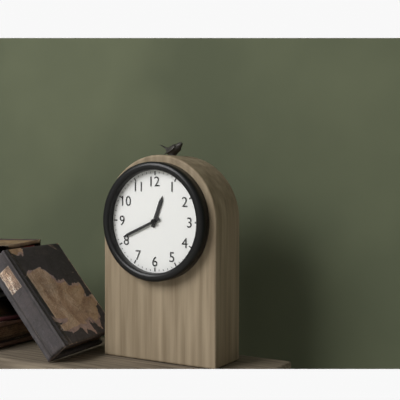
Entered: 12 h 41 min
